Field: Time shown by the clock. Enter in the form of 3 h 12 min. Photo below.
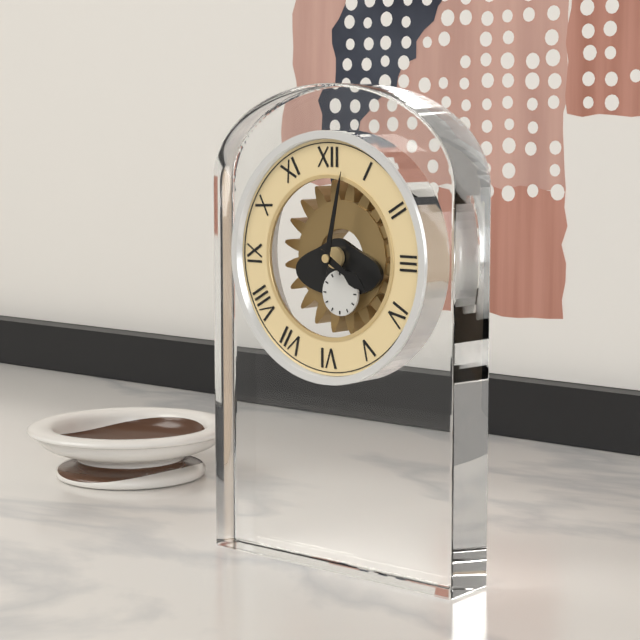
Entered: 4 h 02 min
